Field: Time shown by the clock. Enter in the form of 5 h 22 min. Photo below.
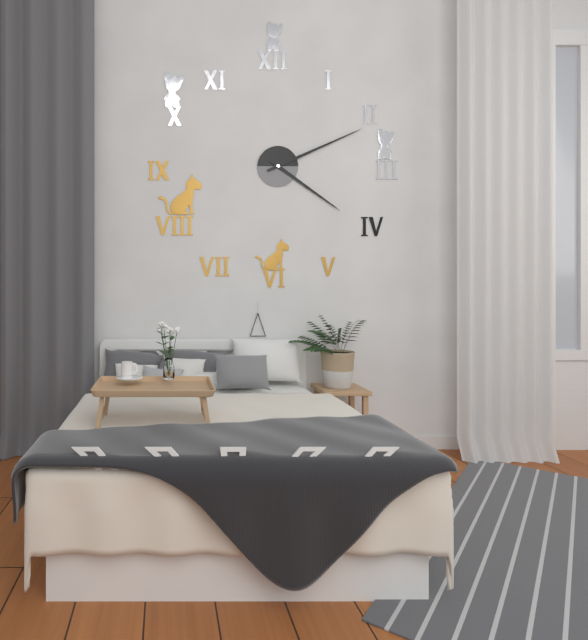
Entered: 4 h 11 min
